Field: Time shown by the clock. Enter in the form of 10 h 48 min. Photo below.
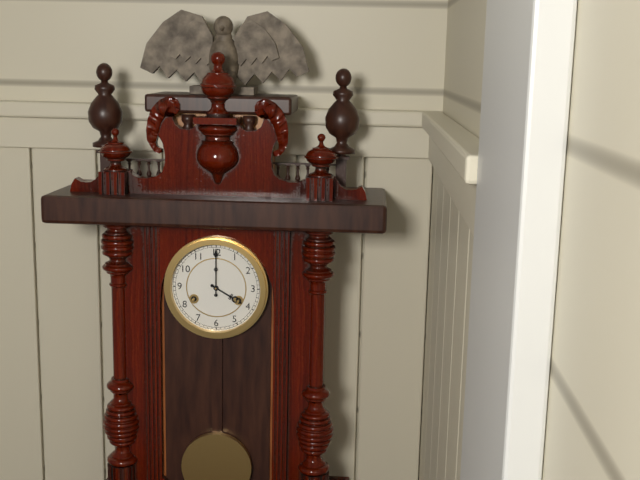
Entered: 4 h 00 min
